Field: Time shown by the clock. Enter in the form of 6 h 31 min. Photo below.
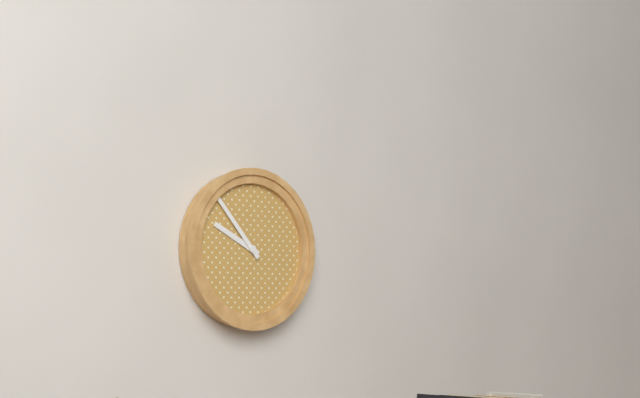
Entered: 9 h 53 min
